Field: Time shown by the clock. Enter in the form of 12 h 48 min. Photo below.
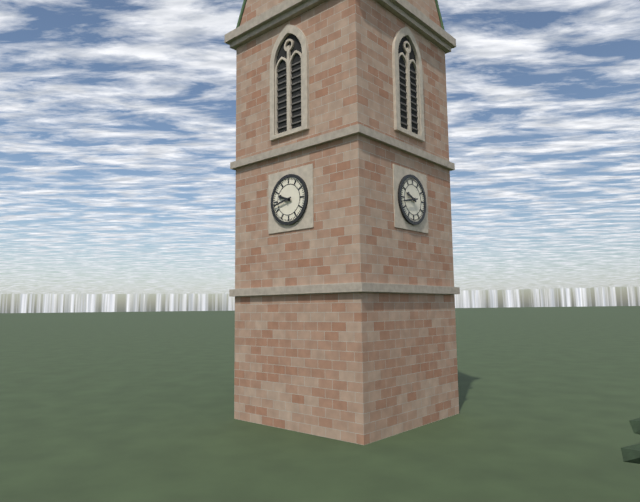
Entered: 9 h 43 min
